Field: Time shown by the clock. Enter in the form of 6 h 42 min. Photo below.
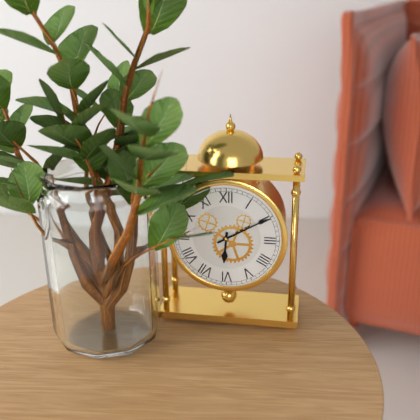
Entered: 6 h 10 min
